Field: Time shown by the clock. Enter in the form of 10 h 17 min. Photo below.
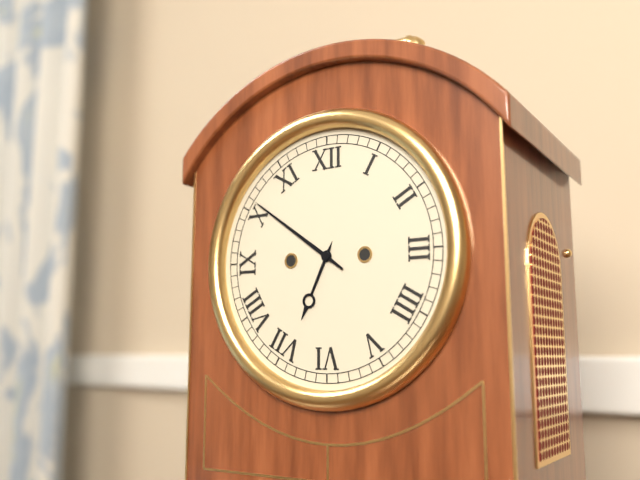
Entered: 6 h 51 min
